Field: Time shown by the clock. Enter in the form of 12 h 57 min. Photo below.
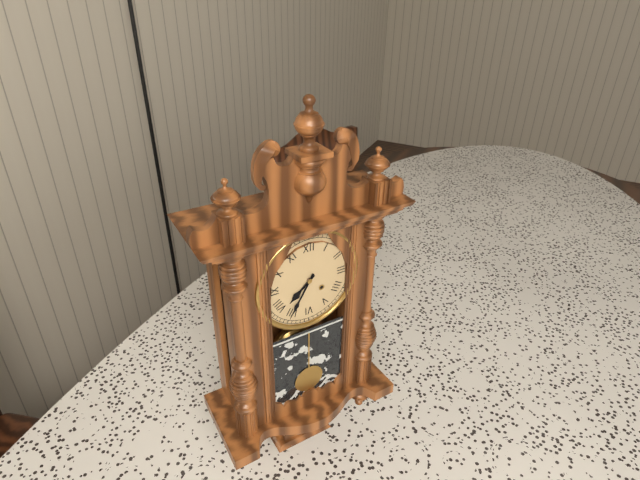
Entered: 7 h 35 min
